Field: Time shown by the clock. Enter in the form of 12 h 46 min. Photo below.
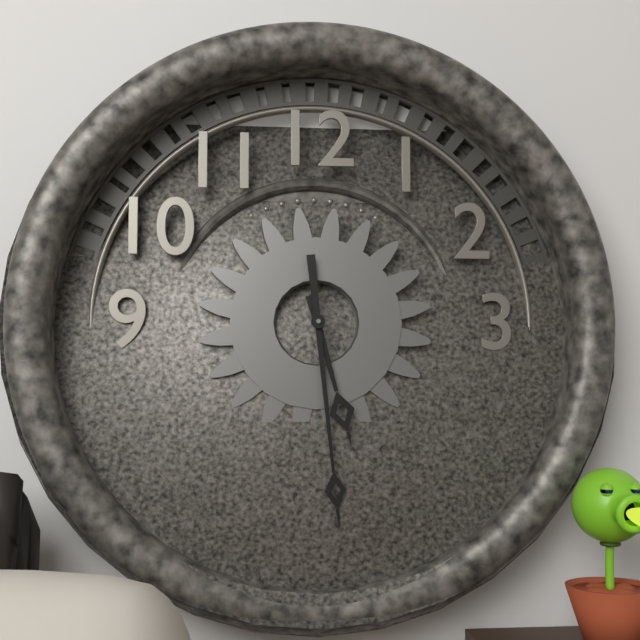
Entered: 5 h 29 min
